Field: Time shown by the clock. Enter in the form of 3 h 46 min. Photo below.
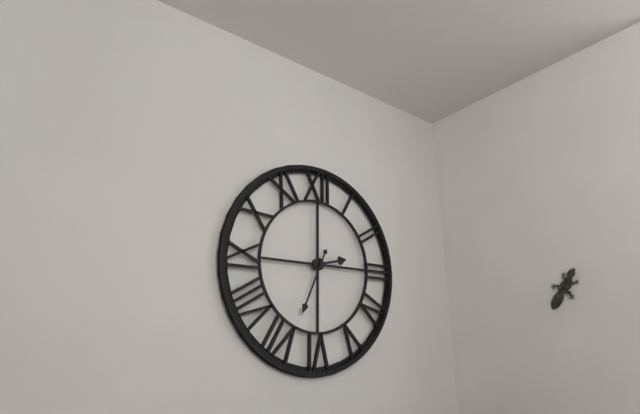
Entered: 2 h 34 min
